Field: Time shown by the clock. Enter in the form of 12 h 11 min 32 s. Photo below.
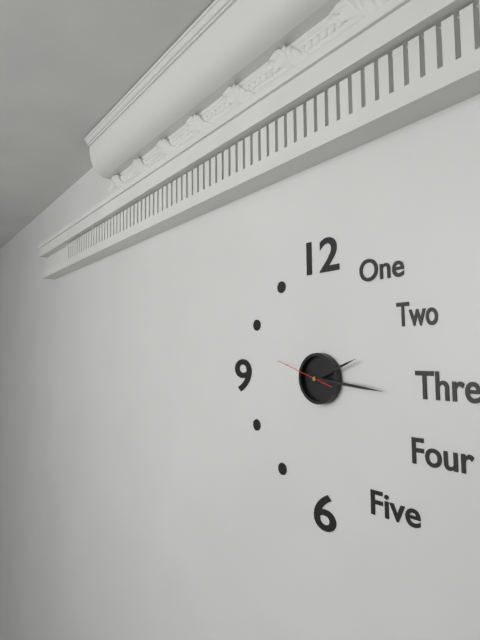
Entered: 2 h 16 min 48 s
